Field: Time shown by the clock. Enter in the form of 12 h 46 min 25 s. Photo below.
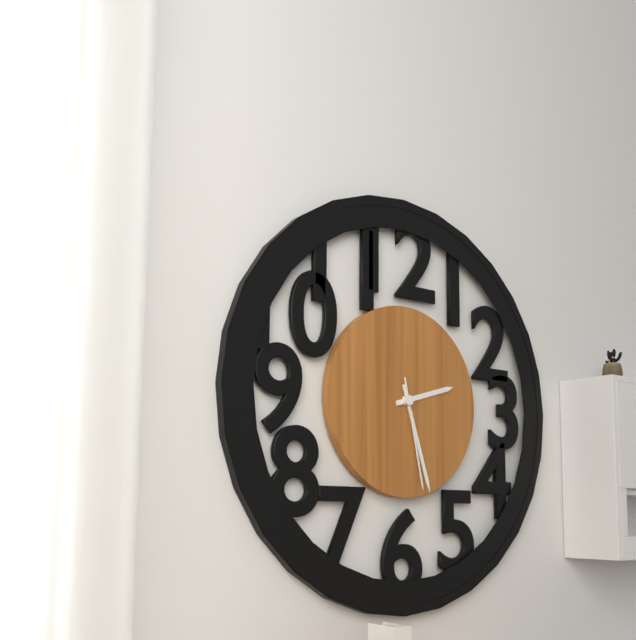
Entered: 2 h 27 min 28 s
